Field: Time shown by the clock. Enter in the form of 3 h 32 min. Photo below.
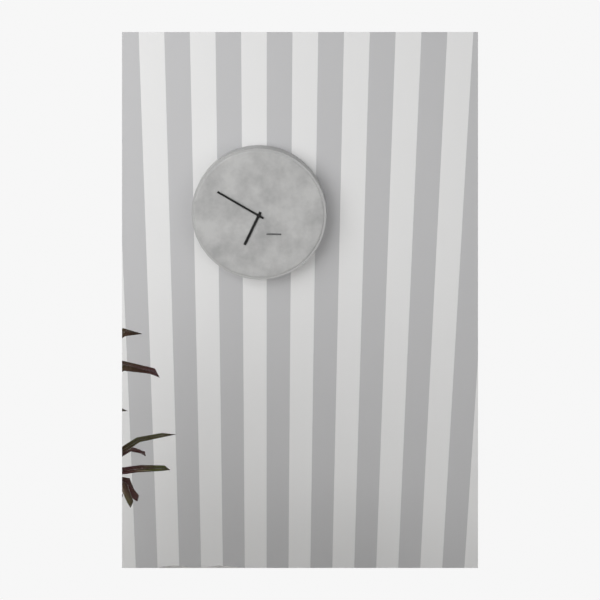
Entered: 6 h 50 min
